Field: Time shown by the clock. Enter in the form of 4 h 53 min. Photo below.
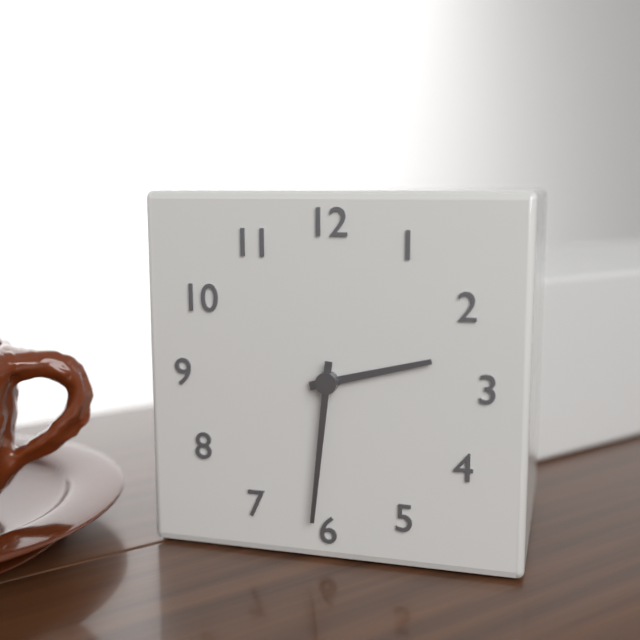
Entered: 2 h 31 min
